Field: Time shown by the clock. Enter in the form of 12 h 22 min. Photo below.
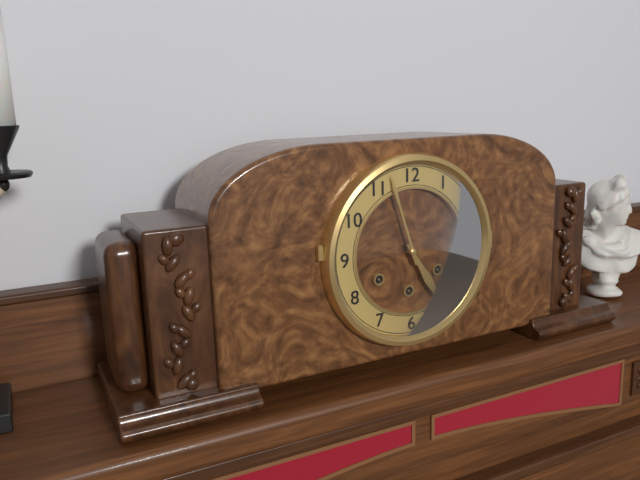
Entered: 4 h 57 min
